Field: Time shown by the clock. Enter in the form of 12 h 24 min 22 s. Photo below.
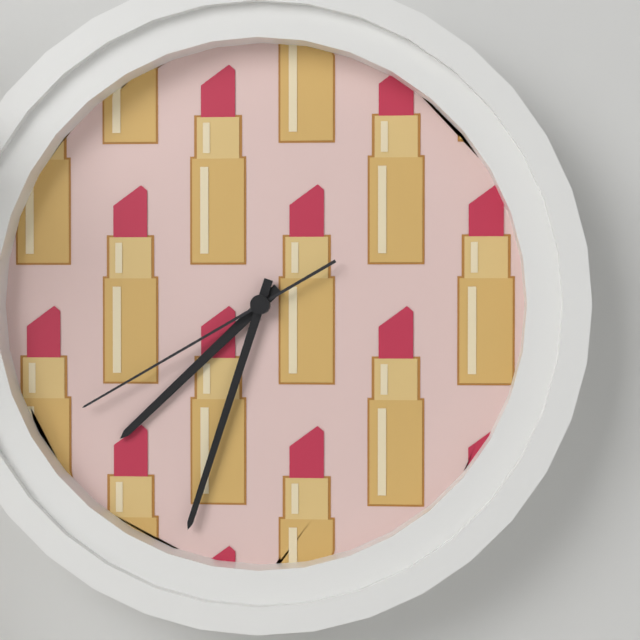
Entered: 7 h 33 min 40 s
